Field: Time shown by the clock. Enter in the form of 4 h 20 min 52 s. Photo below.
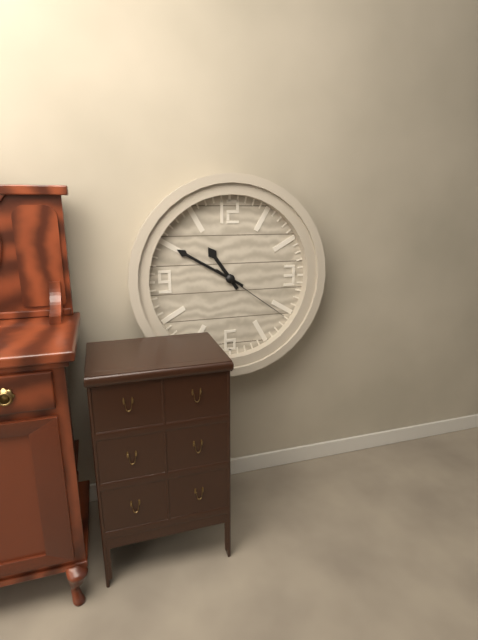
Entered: 10 h 50 min 21 s
